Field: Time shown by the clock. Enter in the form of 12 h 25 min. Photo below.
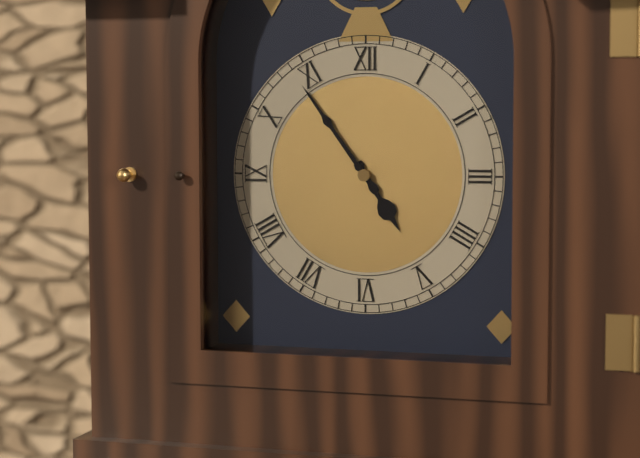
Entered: 4 h 54 min
